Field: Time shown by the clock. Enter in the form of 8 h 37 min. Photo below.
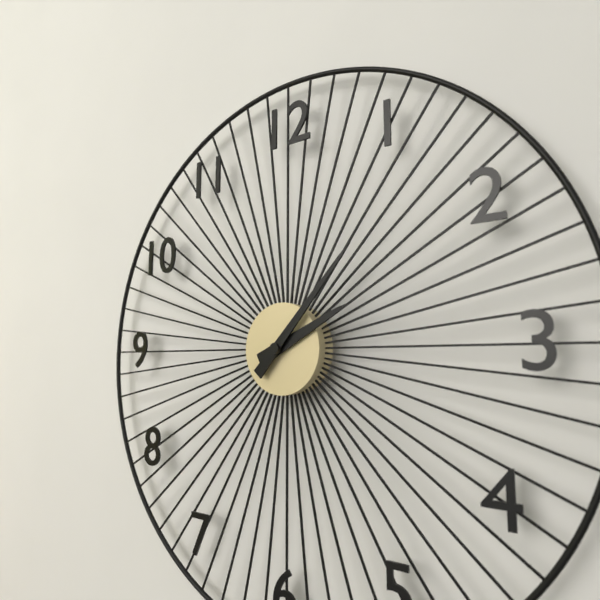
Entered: 2 h 07 min
